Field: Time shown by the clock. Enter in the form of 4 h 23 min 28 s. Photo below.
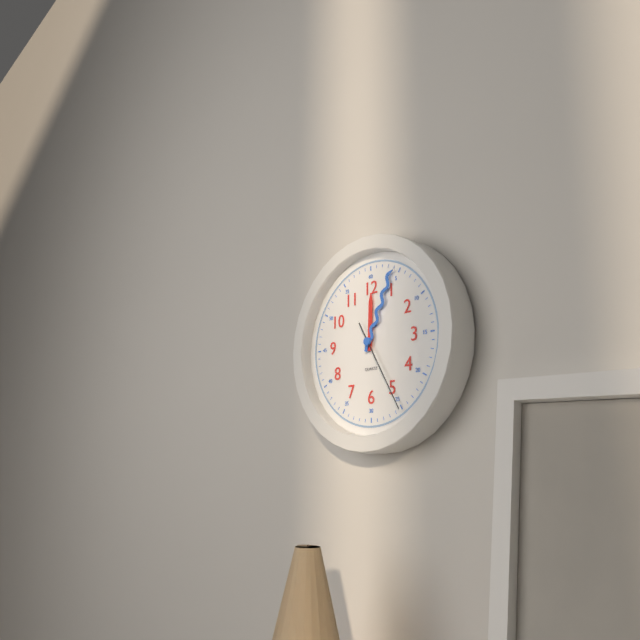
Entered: 12 h 04 min 25 s
